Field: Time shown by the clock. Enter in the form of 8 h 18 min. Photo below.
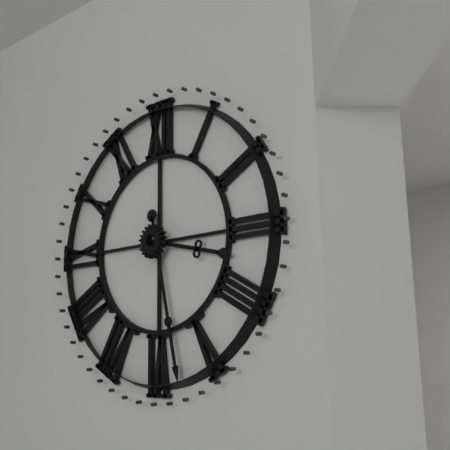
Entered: 3 h 28 min
